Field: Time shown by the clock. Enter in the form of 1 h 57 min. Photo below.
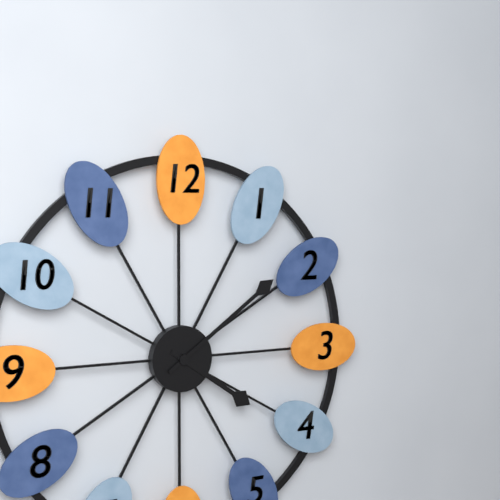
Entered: 4 h 09 min
